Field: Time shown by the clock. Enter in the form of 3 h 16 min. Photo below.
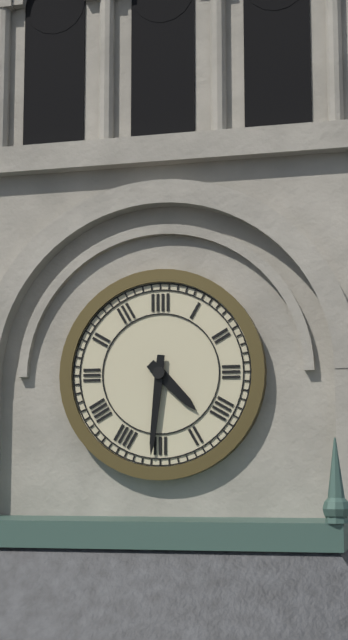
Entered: 4 h 31 min
